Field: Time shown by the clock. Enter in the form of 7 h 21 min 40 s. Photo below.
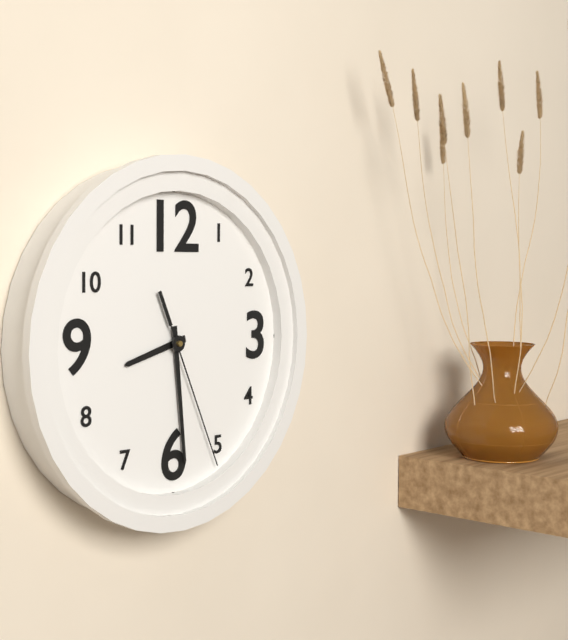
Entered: 8 h 29 min 26 s
